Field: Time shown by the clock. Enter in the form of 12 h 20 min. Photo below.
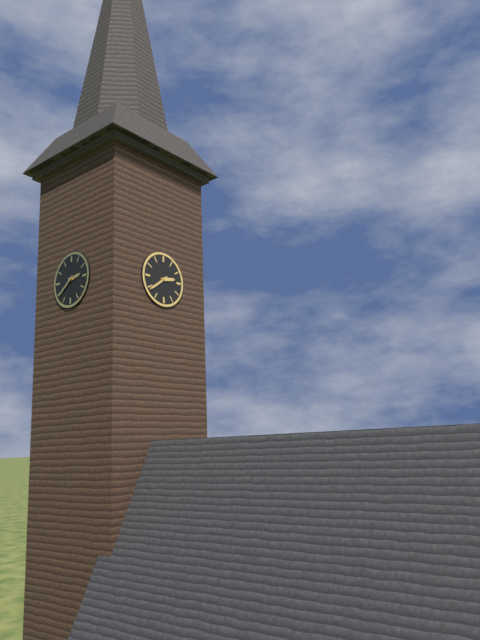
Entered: 2 h 39 min
